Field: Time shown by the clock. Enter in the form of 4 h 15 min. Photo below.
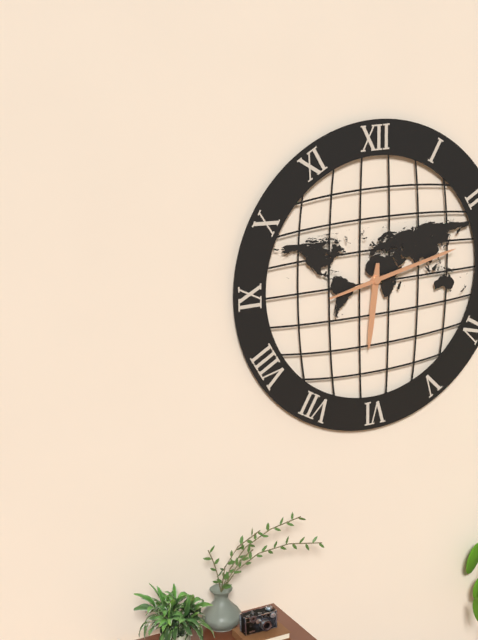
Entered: 6 h 13 min
